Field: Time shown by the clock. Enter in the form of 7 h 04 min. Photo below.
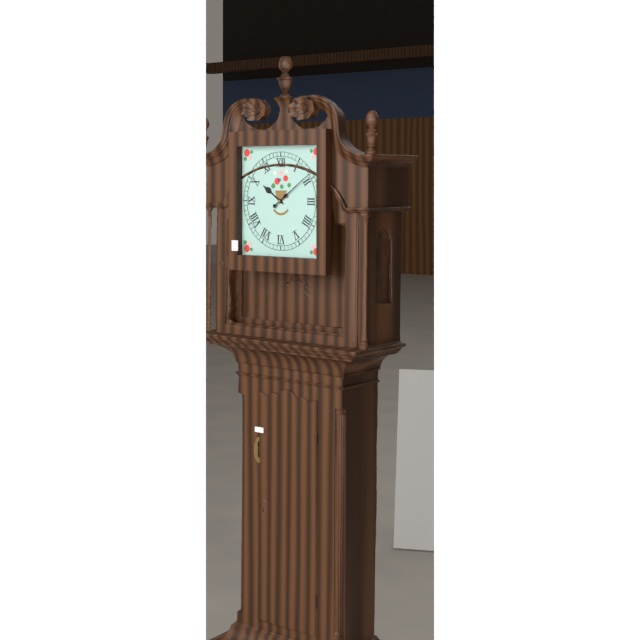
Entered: 10 h 09 min
